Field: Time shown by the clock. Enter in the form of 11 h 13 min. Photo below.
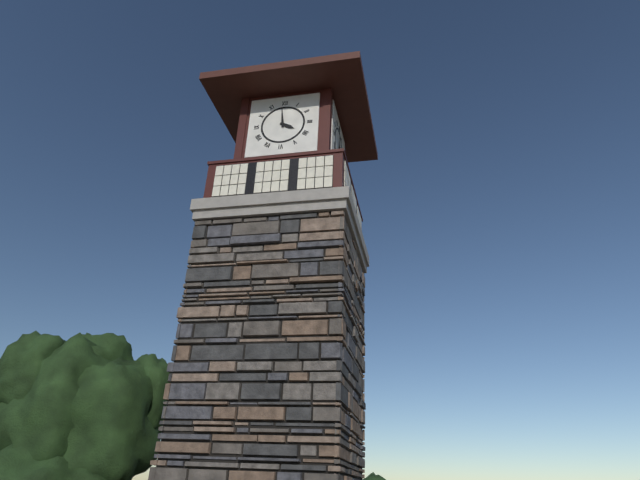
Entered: 3 h 59 min
